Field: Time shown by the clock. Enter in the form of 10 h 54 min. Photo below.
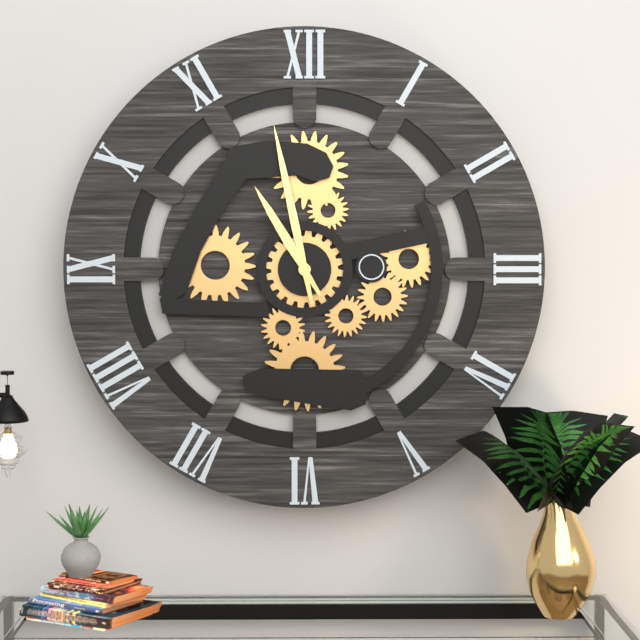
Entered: 10 h 58 min
